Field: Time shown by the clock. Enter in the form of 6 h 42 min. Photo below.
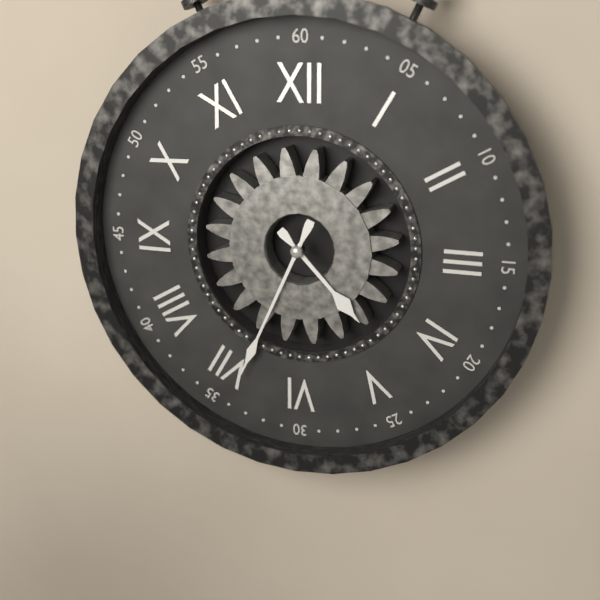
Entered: 4 h 34 min
